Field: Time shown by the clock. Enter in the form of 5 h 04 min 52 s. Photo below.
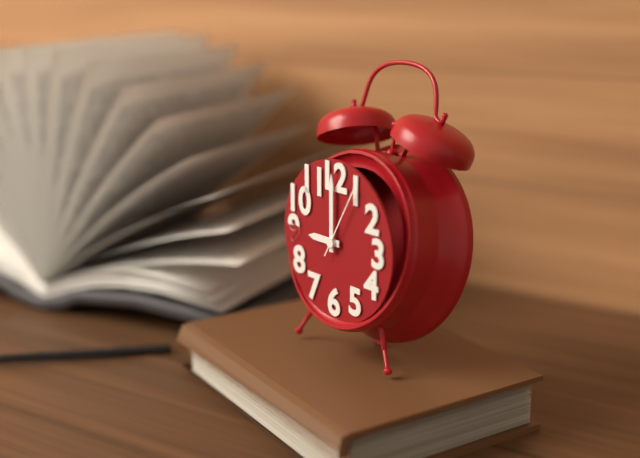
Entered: 9 h 00 min 05 s
